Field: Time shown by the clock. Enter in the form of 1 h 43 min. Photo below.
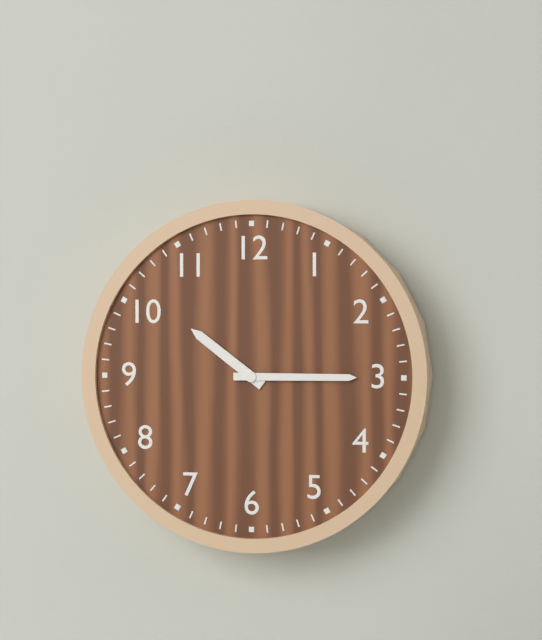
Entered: 10 h 15 min
